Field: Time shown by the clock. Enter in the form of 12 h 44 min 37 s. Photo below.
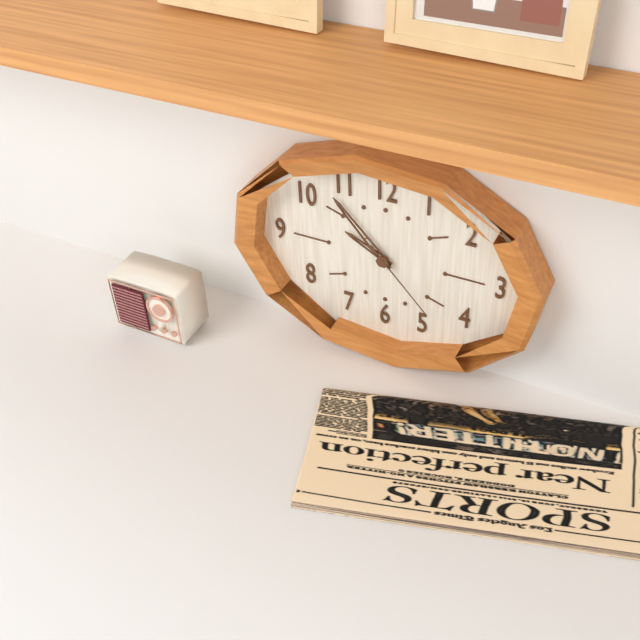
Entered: 9 h 53 min 23 s
